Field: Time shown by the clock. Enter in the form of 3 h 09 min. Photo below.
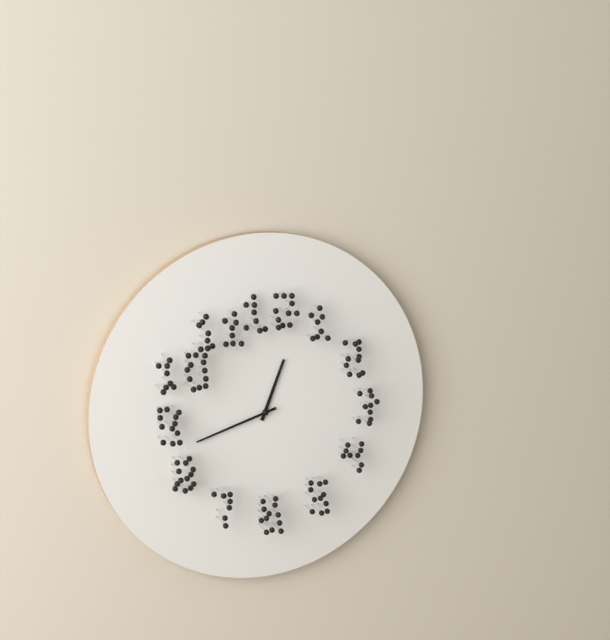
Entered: 12 h 42 min
